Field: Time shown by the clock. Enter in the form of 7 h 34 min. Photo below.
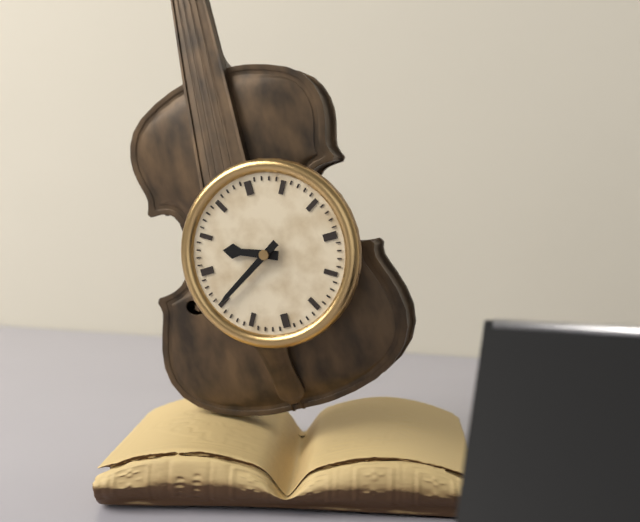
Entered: 9 h 40 min
